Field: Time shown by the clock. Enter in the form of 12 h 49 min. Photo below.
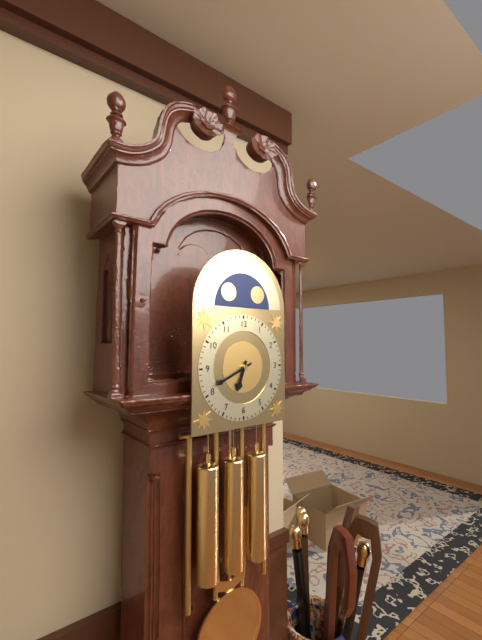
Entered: 6 h 41 min
